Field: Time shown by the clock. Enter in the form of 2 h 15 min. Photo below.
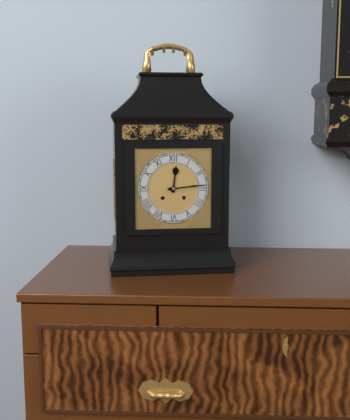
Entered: 12 h 14 min
